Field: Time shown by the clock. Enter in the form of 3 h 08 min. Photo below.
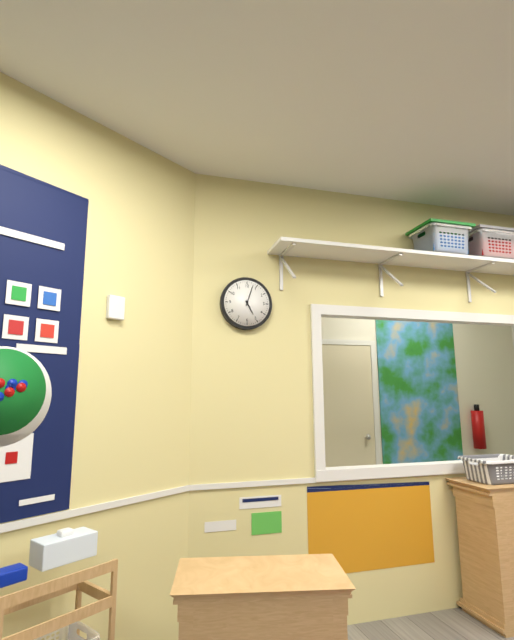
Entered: 5 h 03 min
